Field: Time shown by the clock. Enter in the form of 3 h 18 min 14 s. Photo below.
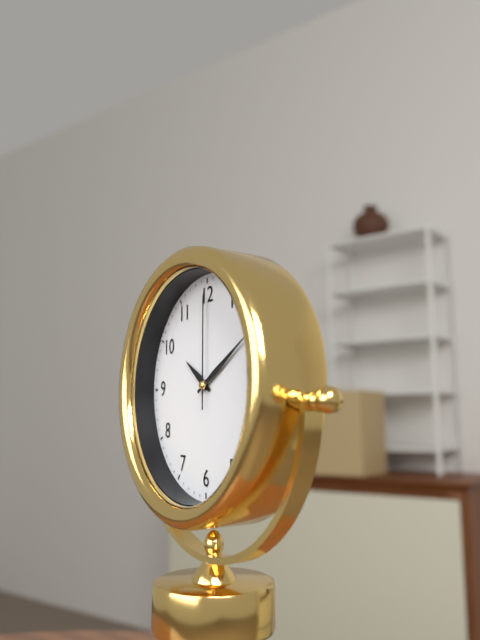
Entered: 10 h 10 min 00 s
